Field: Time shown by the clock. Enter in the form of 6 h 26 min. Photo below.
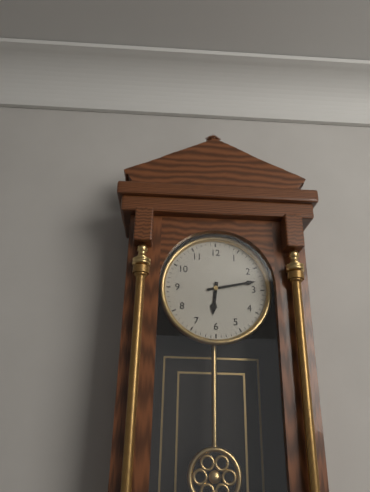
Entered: 6 h 13 min
